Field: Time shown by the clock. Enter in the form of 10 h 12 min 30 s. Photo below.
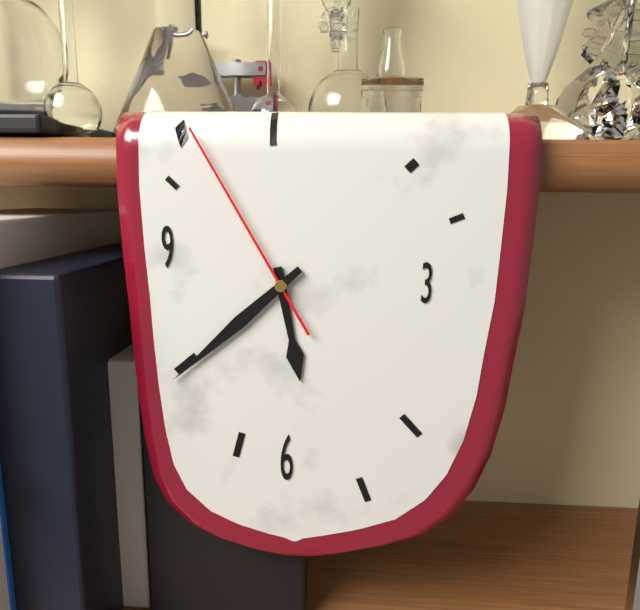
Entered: 5 h 38 min 55 s
